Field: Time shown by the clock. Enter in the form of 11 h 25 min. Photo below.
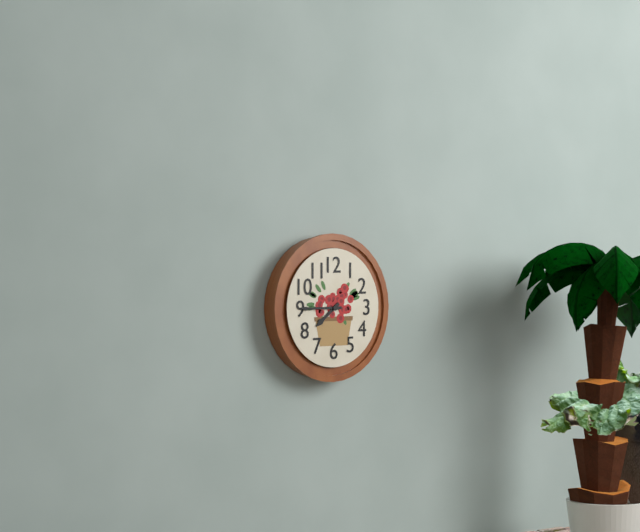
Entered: 7 h 45 min
